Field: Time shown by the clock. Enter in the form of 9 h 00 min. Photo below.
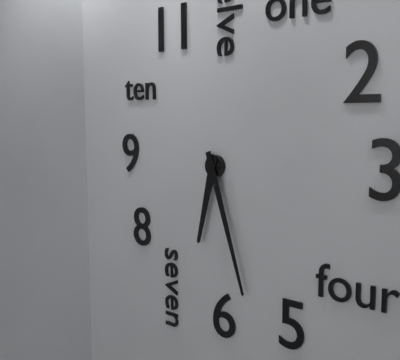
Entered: 6 h 27 min
